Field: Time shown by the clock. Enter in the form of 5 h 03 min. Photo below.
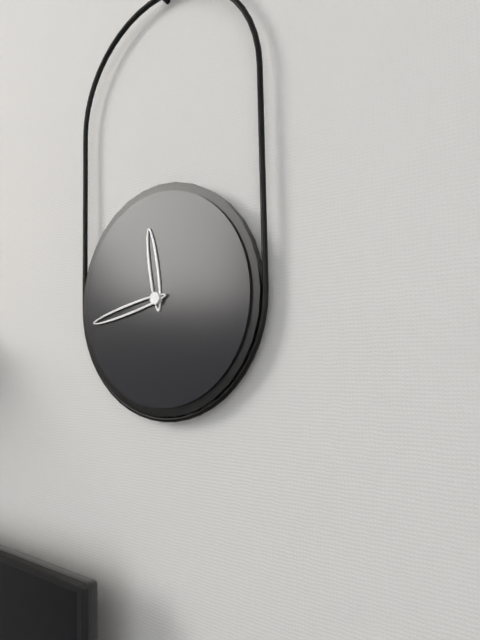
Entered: 11 h 43 min
